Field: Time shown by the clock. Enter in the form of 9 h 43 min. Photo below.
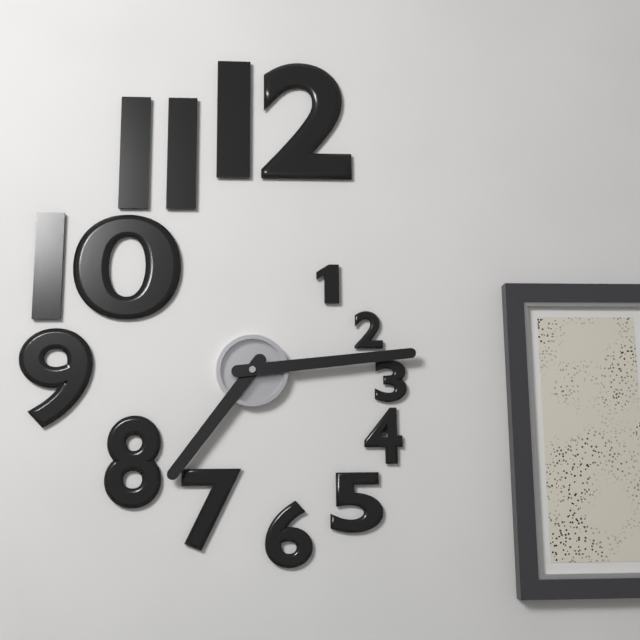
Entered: 7 h 14 min
